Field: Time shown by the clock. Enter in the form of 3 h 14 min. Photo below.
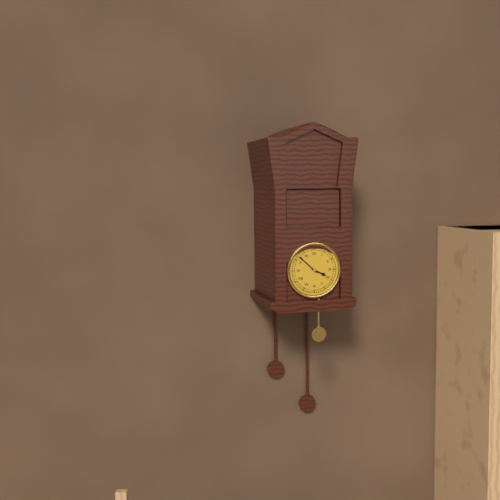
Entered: 3 h 52 min
